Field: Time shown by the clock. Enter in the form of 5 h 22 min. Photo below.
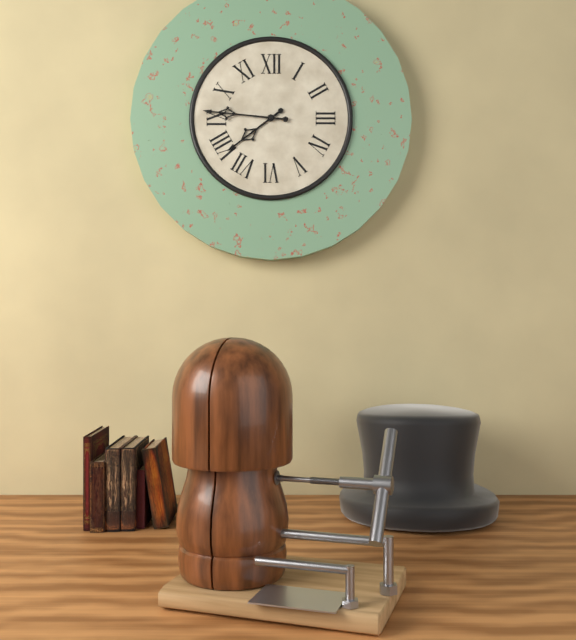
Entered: 7 h 46 min
